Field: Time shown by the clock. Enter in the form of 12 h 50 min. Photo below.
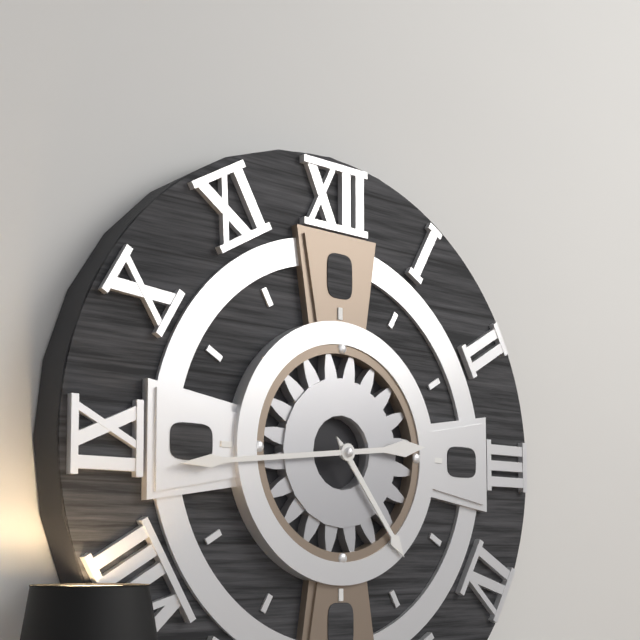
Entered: 4 h 44 min
